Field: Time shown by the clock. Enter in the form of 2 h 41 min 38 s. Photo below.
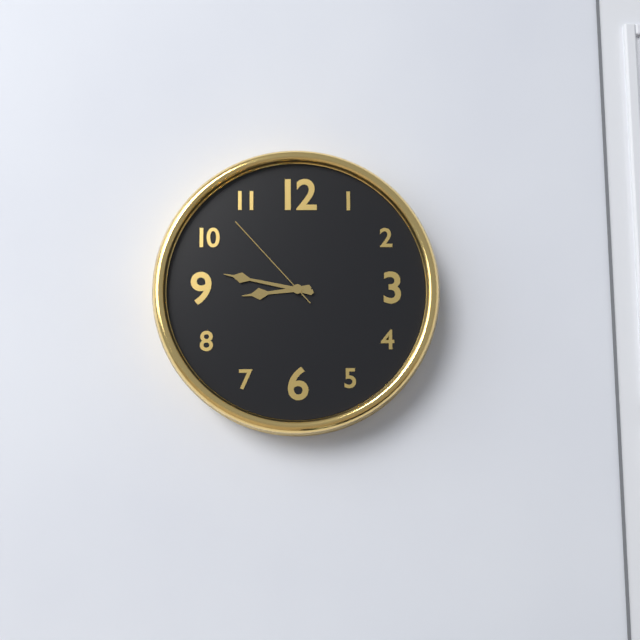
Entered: 8 h 47 min 53 s
